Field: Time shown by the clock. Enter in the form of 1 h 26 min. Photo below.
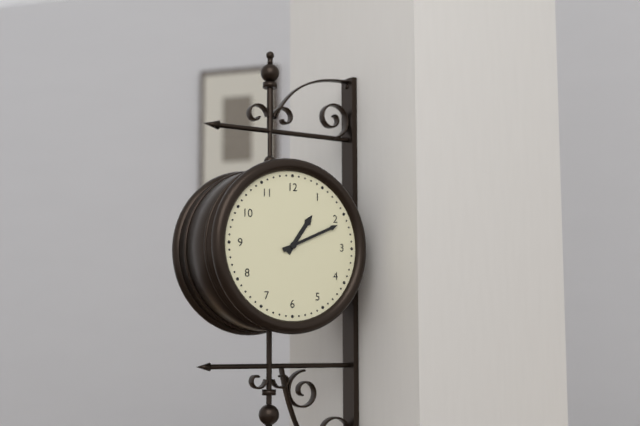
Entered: 1 h 11 min
